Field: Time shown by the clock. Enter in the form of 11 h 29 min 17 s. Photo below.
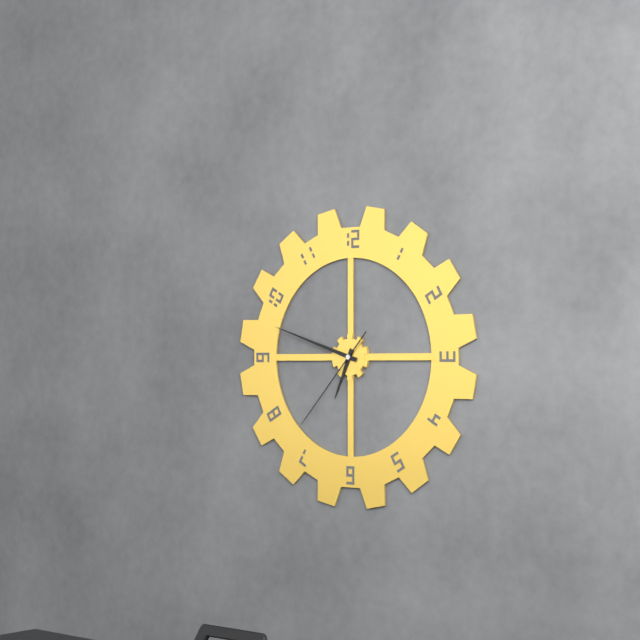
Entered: 6 h 48 min 37 s
